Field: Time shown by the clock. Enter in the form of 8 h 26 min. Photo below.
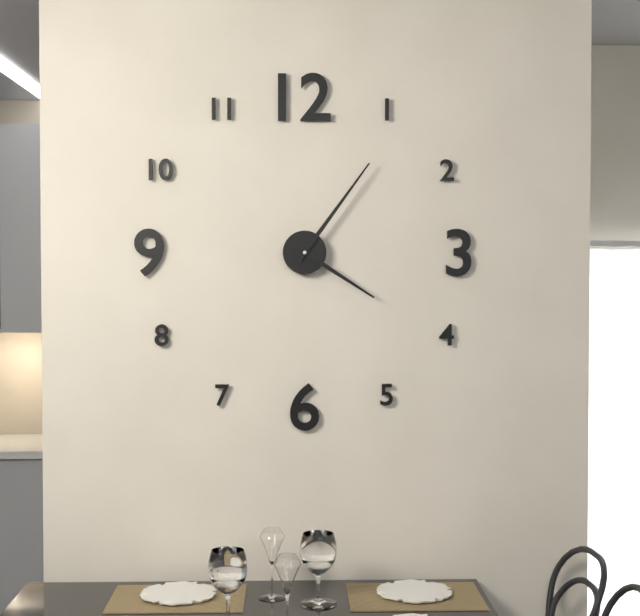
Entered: 4 h 06 min
